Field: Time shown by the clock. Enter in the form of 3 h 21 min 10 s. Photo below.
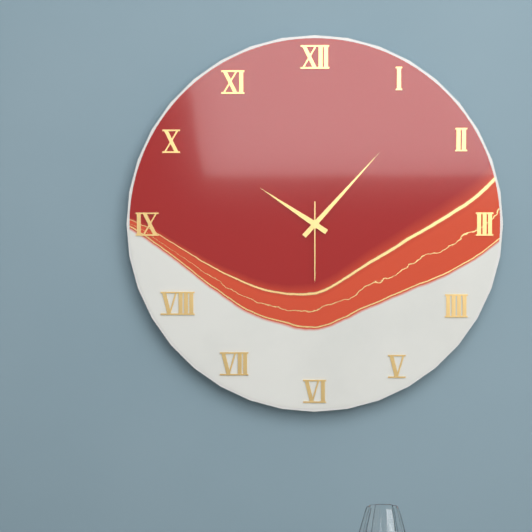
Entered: 10 h 07 min 30 s
